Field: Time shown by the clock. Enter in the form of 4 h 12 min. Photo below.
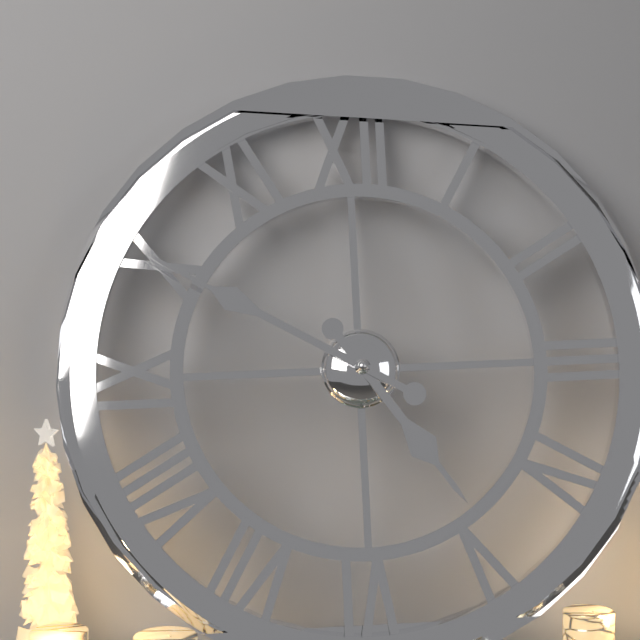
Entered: 4 h 50 min
